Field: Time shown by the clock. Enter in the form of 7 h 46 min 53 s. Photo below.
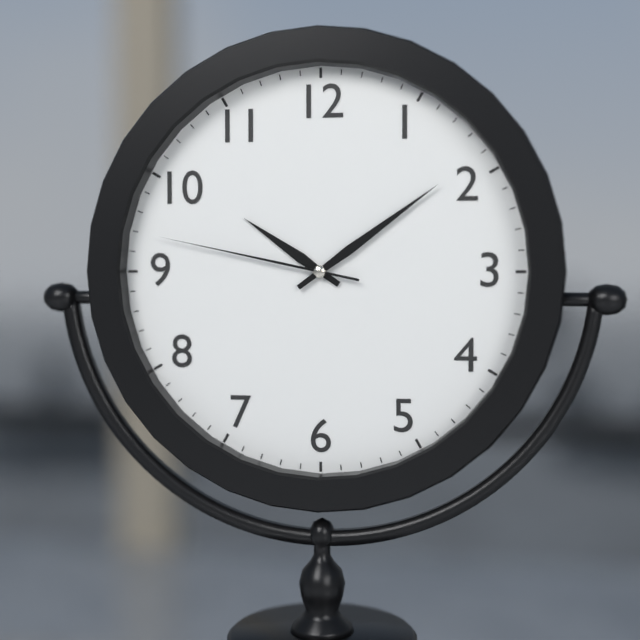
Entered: 10 h 09 min 47 s
